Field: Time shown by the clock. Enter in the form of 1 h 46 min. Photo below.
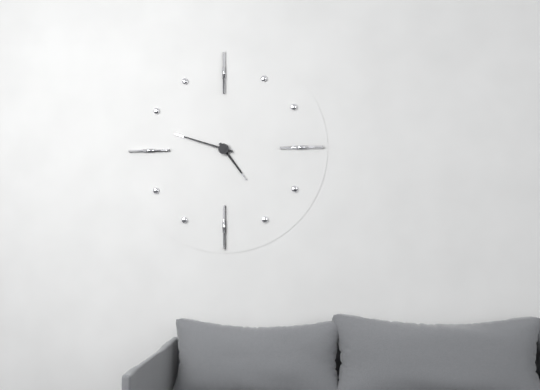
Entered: 4 h 48 min
